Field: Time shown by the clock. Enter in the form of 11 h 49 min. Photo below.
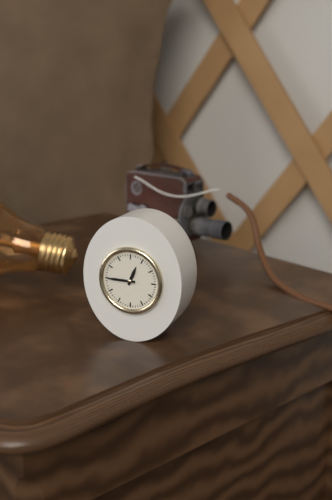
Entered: 12 h 45 min
